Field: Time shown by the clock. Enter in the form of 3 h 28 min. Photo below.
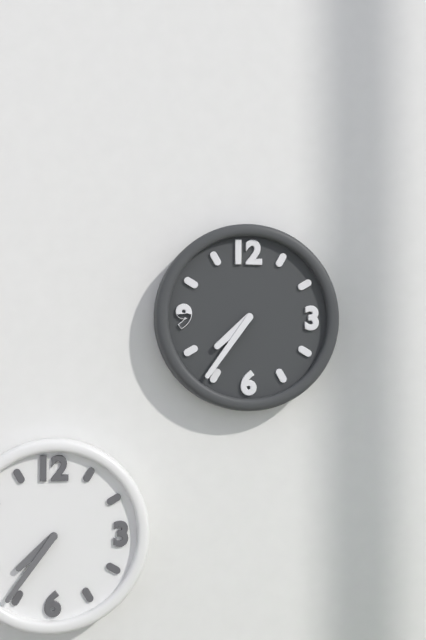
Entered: 7 h 36 min
